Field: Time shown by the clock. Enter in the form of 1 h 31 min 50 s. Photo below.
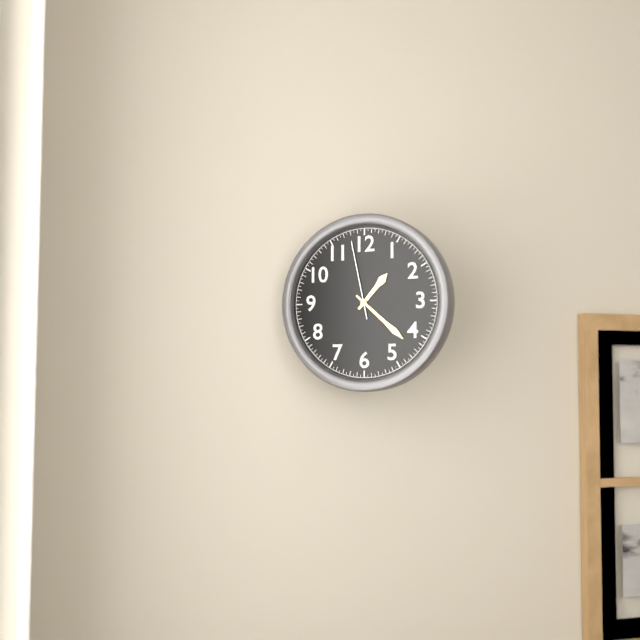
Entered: 1 h 22 min 58 s
